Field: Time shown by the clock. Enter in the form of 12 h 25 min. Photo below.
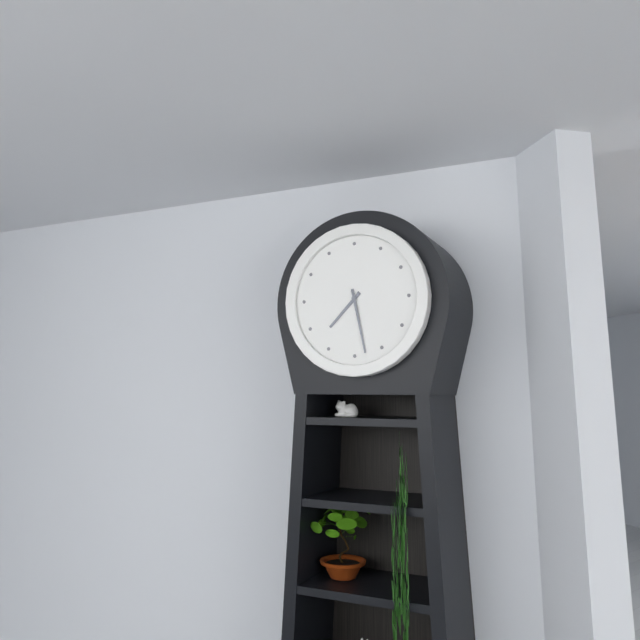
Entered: 7 h 28 min
